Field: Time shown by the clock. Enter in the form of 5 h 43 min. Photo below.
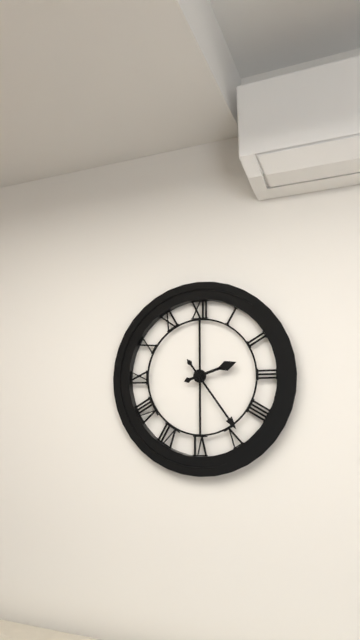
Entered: 2 h 24 min
